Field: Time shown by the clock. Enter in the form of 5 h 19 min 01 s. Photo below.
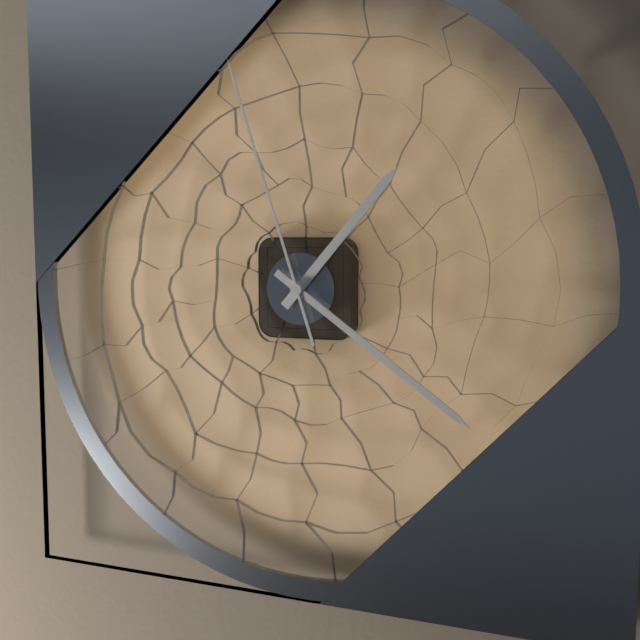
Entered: 1 h 21 min 57 s
